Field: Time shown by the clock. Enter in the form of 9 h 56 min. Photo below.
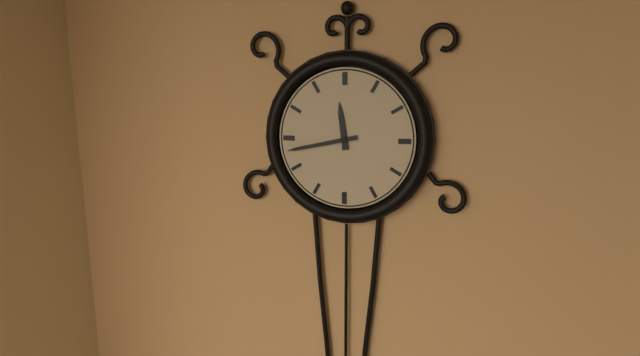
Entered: 11 h 43 min
